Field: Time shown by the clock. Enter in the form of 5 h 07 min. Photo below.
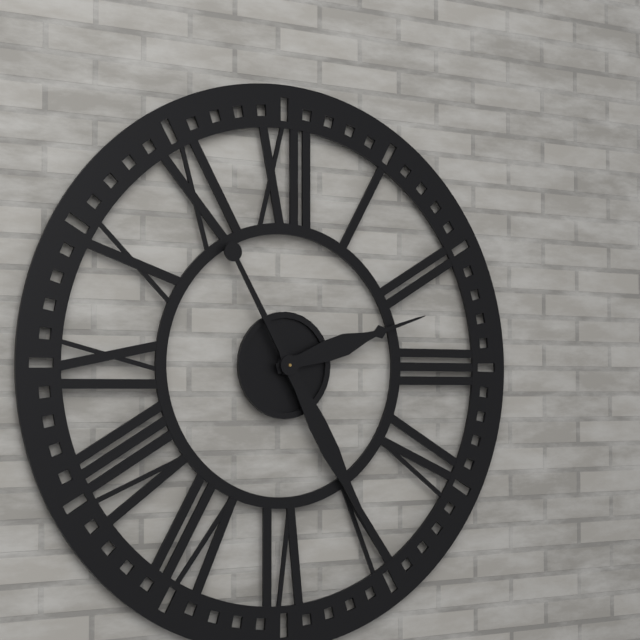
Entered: 2 h 25 min
